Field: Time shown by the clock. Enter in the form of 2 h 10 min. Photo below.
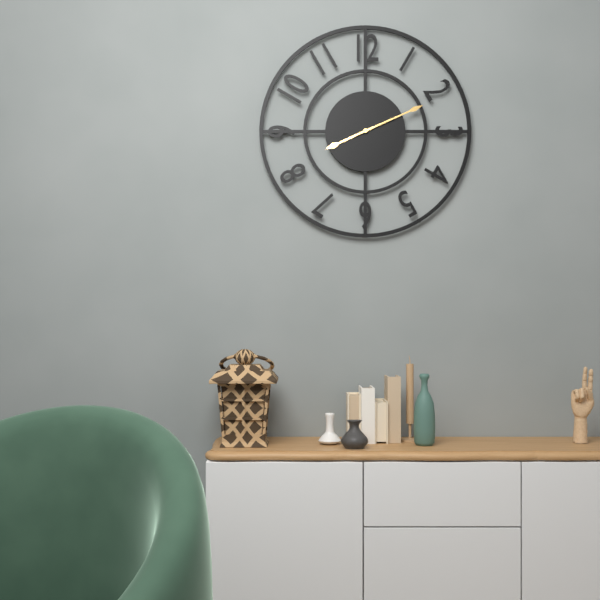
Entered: 8 h 11 min
